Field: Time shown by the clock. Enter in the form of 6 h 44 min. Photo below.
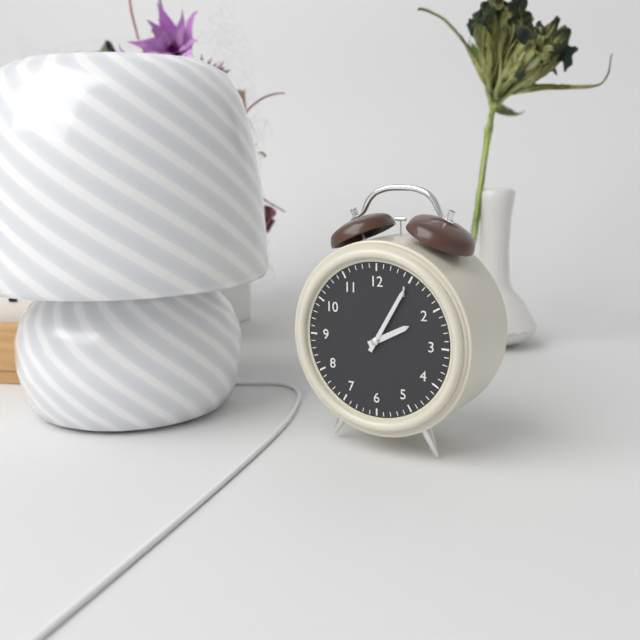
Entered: 2 h 05 min
